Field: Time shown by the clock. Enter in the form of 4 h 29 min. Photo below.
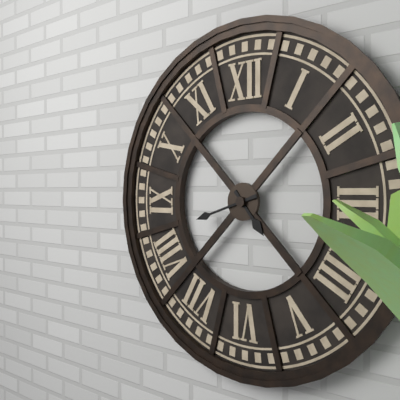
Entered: 4 h 42 min
